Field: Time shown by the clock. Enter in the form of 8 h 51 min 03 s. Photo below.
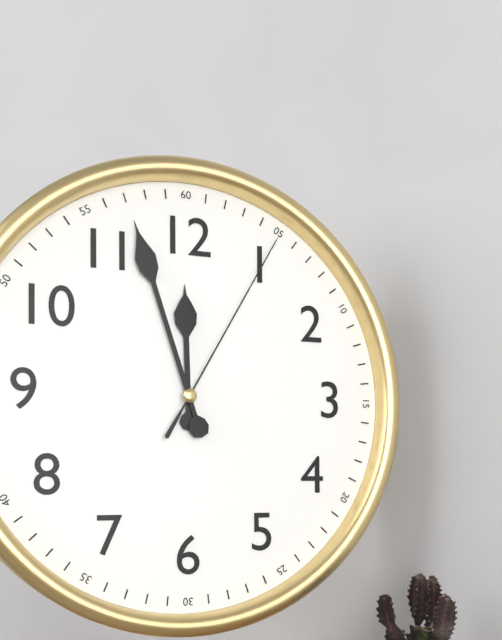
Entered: 11 h 57 min 05 s
